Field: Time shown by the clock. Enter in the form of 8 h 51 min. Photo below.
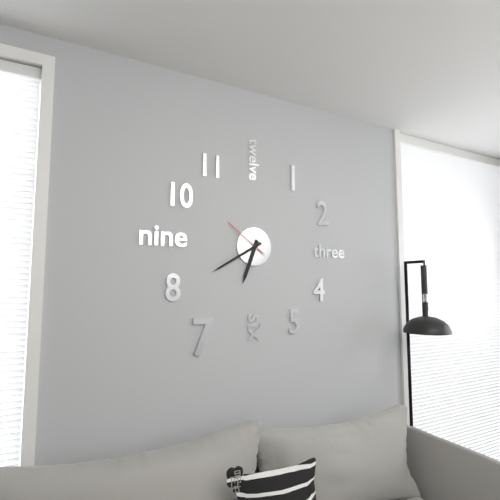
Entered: 6 h 40 min
